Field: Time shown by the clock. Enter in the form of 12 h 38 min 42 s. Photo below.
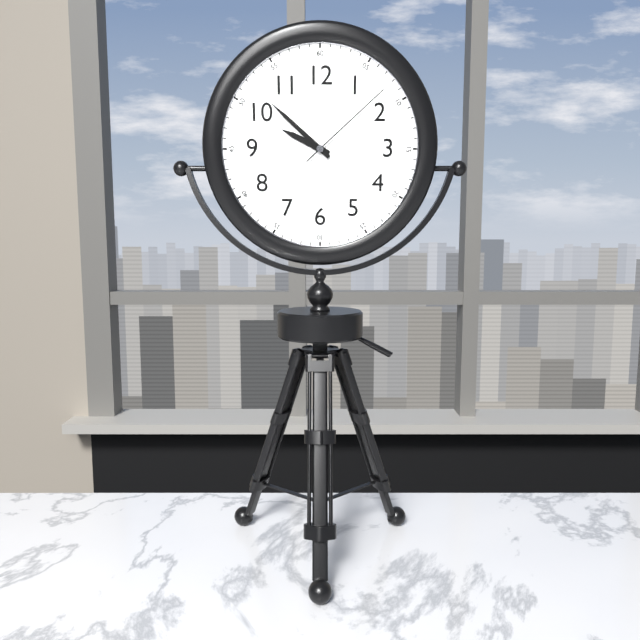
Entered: 9 h 52 min 08 s
